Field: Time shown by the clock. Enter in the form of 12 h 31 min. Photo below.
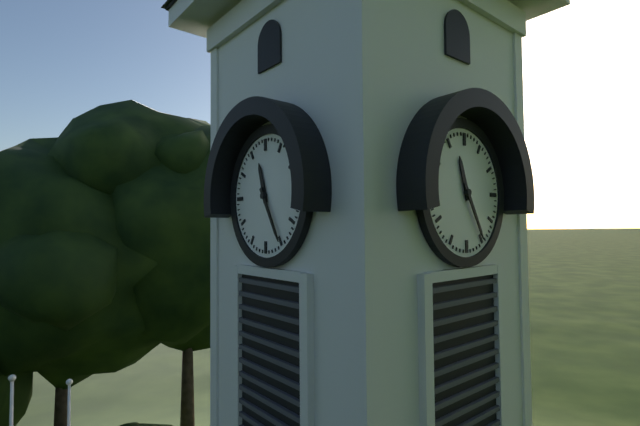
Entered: 11 h 25 min
